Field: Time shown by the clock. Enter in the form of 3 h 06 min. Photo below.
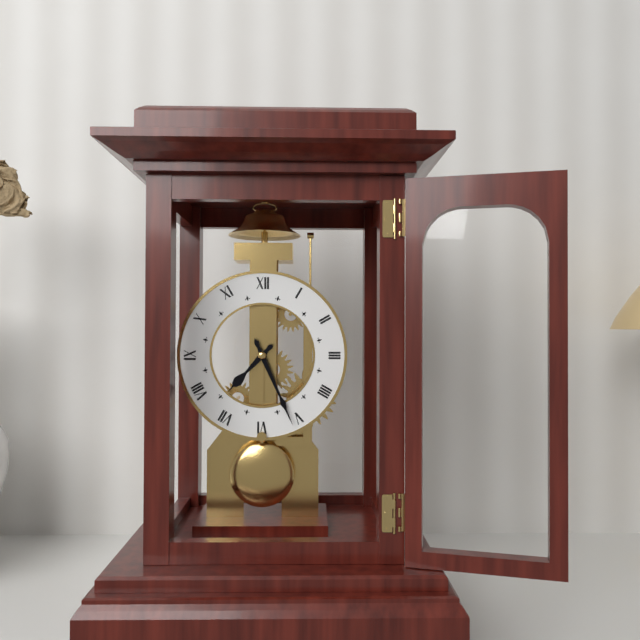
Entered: 7 h 26 min
